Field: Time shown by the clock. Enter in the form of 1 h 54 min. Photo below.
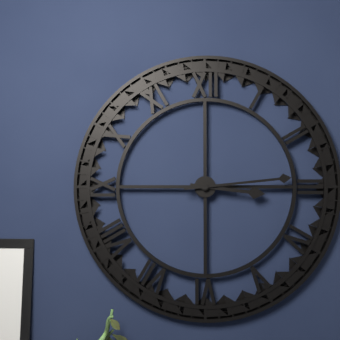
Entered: 3 h 14 min
